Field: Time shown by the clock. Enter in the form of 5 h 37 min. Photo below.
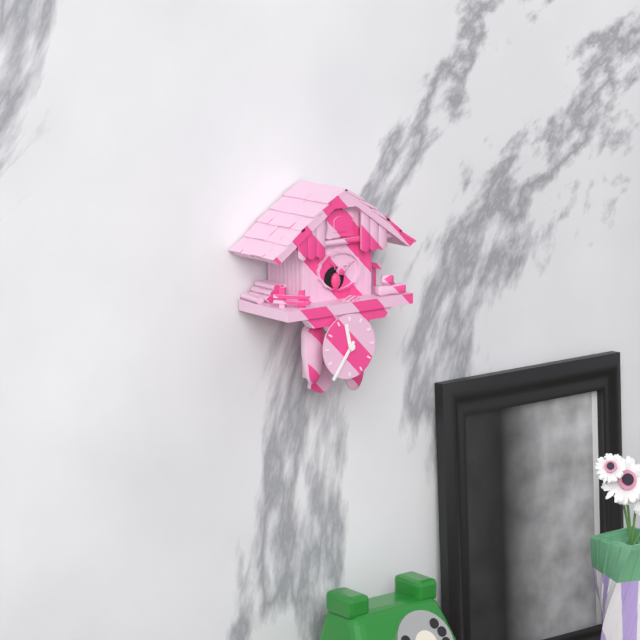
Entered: 11 h 36 min
